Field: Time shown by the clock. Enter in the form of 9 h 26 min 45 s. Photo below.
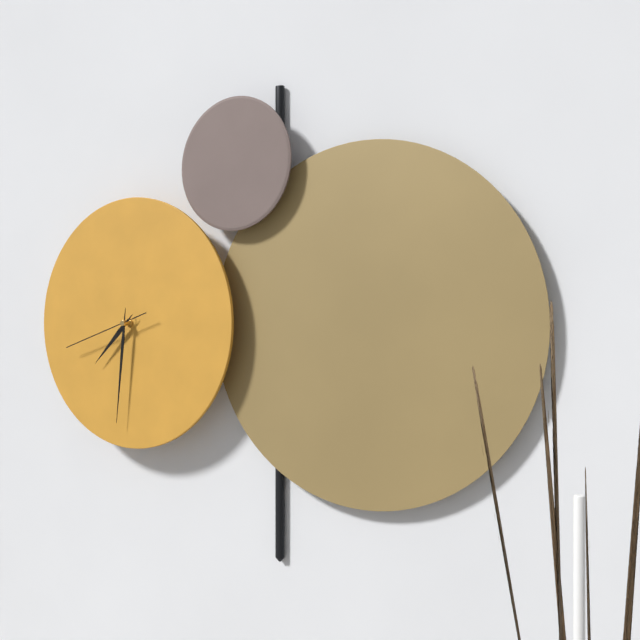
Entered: 7 h 31 min 42 s
